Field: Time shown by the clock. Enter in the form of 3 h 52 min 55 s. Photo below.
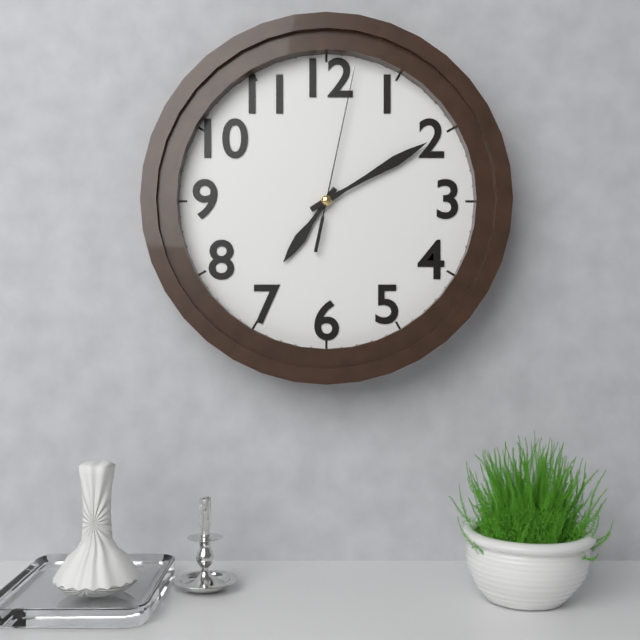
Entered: 7 h 10 min 02 s
